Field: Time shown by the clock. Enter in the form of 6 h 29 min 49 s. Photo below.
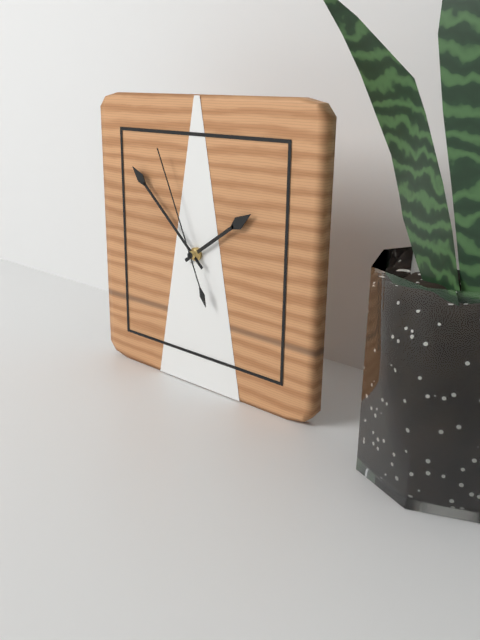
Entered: 1 h 52 min 56 s
